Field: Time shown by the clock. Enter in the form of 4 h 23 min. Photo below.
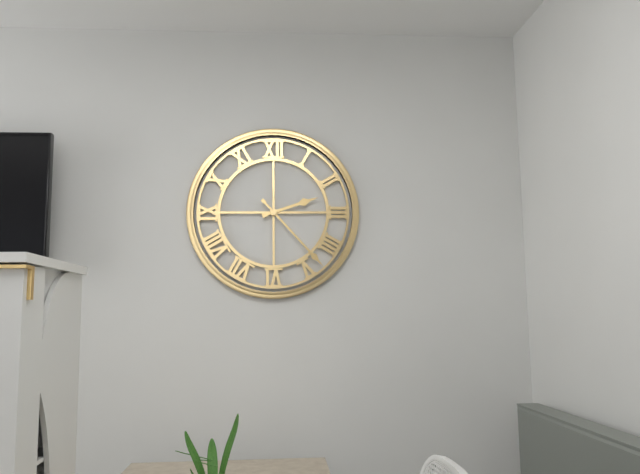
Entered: 2 h 23 min
